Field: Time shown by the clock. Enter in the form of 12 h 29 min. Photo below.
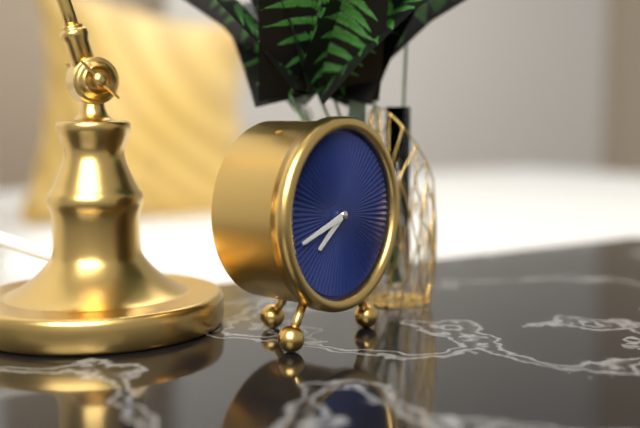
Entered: 7 h 42 min
